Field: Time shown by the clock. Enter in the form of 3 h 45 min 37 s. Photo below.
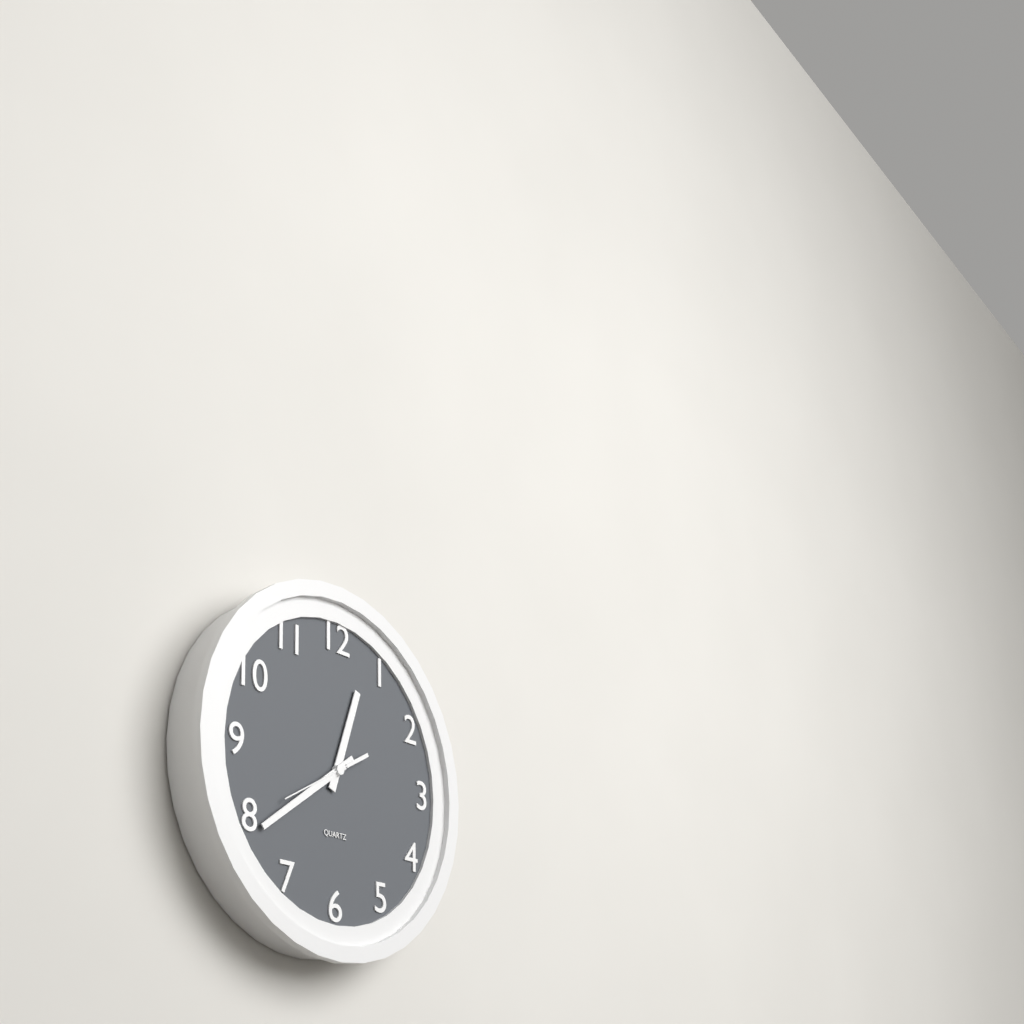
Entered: 12 h 39 min 40 s
